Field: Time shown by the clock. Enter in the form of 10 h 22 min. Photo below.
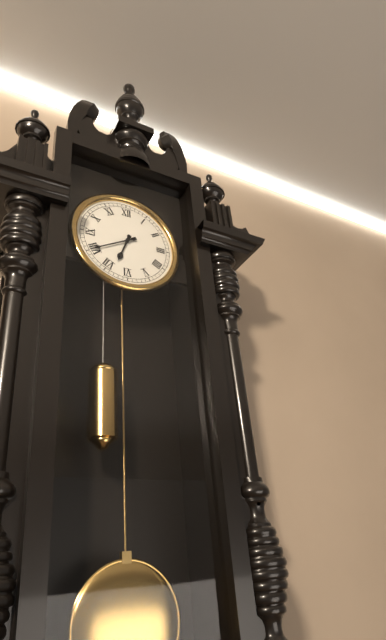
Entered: 6 h 40 min
